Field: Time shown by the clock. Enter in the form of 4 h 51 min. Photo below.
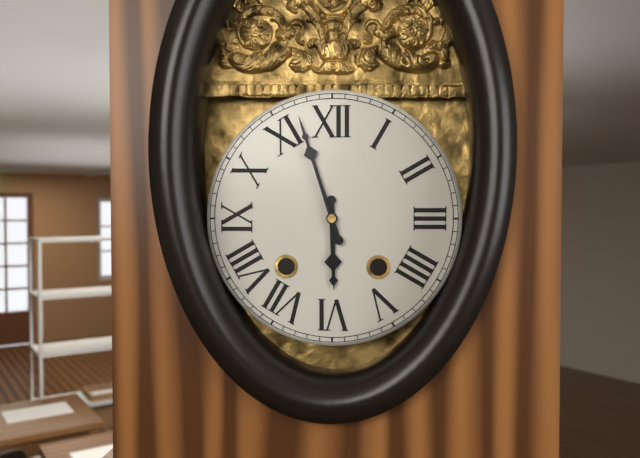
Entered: 5 h 57 min
